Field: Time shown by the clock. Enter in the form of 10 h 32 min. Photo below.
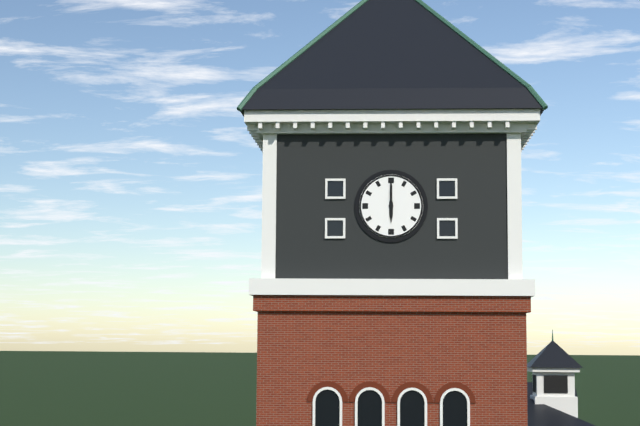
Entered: 6 h 00 min
